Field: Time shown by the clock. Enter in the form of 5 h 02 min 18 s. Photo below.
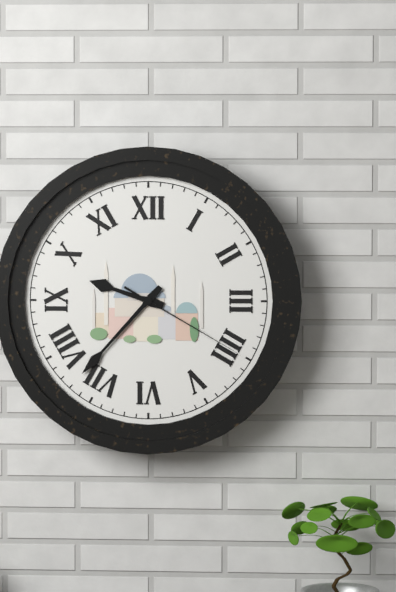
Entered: 9 h 37 min 20 s
